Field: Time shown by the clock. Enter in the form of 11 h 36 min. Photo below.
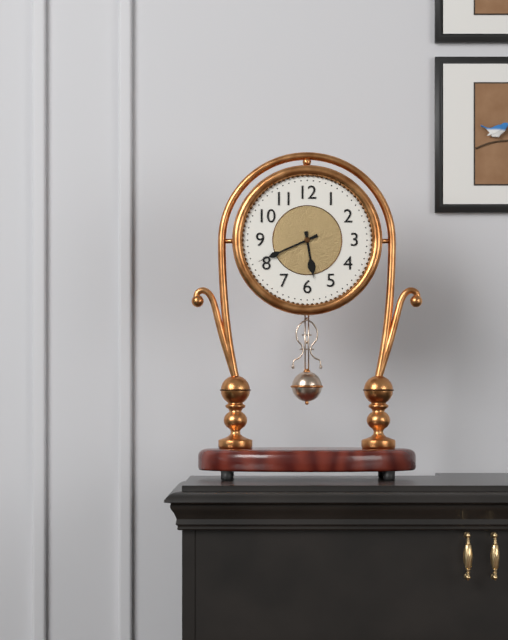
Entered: 5 h 41 min
